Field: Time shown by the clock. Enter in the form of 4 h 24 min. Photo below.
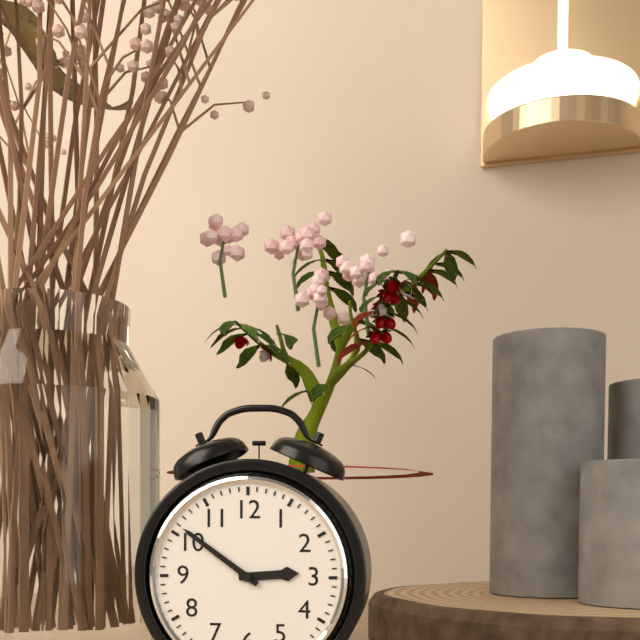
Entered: 2 h 51 min
